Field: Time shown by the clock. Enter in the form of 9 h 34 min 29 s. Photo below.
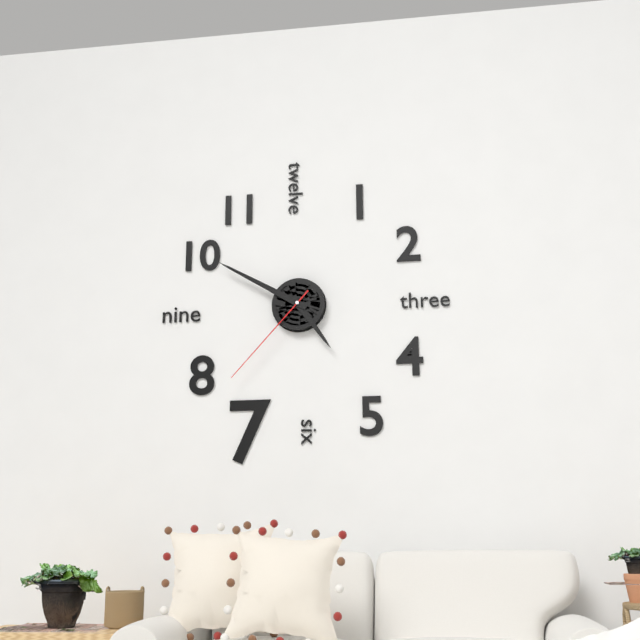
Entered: 4 h 50 min 37 s
